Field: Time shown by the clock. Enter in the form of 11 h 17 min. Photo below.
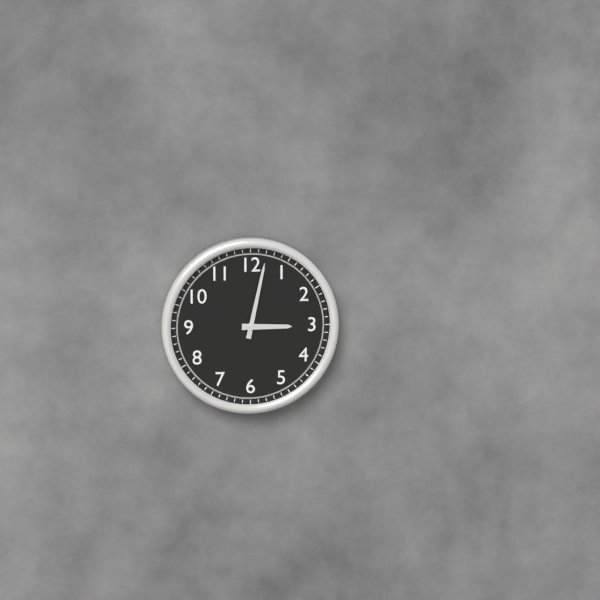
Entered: 3 h 02 min
